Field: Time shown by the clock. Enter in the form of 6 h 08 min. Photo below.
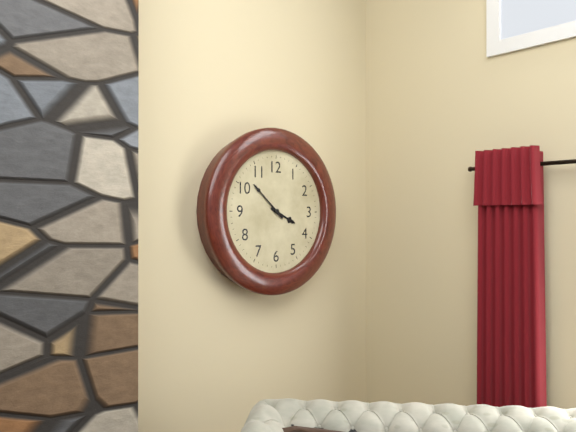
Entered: 3 h 52 min
